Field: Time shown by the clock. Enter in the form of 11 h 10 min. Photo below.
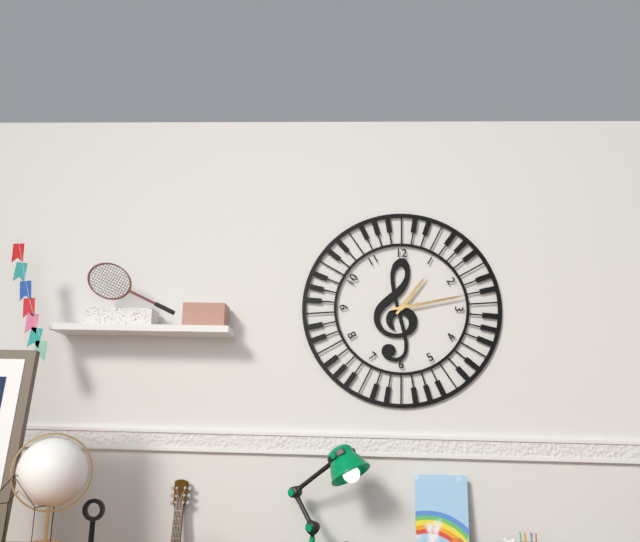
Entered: 1 h 13 min
